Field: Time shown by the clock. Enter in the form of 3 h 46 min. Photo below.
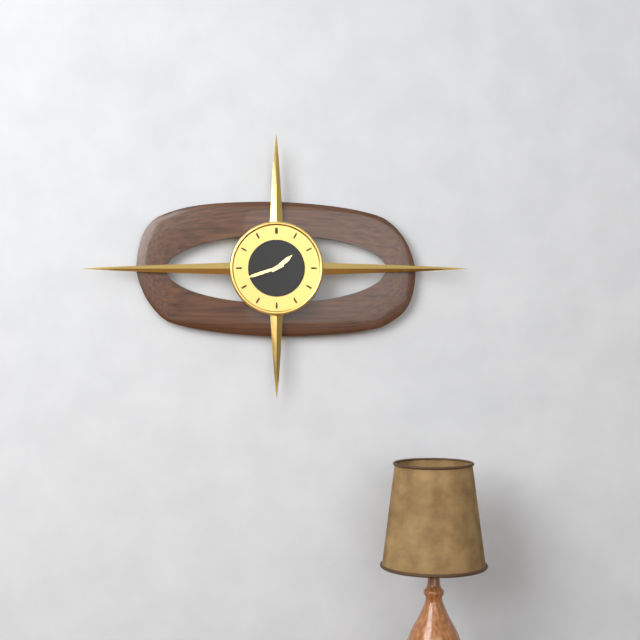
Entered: 1 h 42 min
